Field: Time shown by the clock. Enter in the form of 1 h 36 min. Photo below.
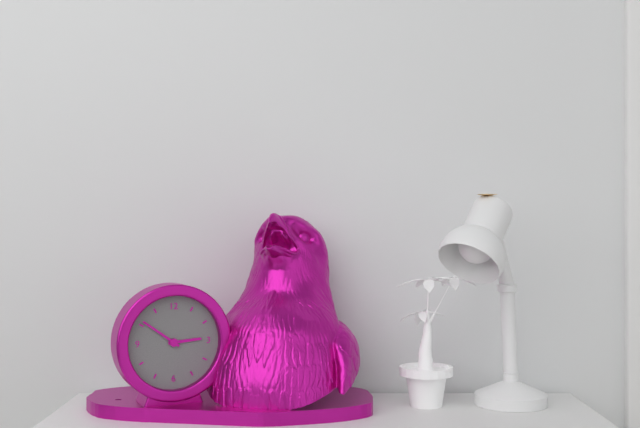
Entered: 2 h 51 min
